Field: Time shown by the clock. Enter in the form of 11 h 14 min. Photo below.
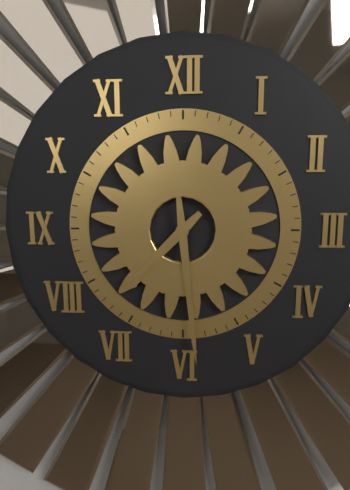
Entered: 7 h 29 min
